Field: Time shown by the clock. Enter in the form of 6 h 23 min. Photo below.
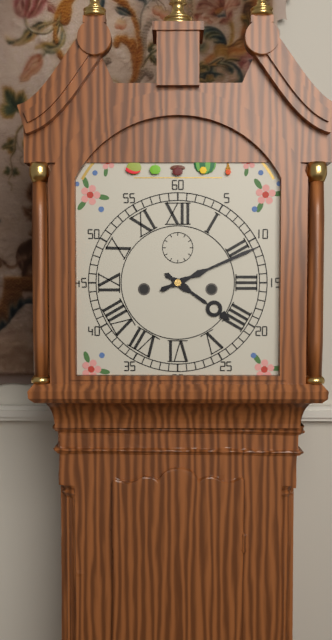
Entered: 4 h 11 min
